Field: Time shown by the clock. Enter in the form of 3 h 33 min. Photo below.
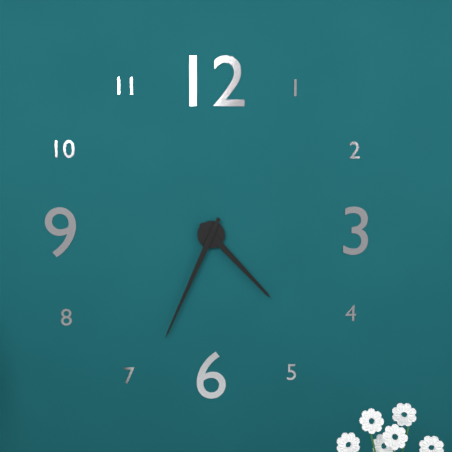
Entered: 4 h 34 min
